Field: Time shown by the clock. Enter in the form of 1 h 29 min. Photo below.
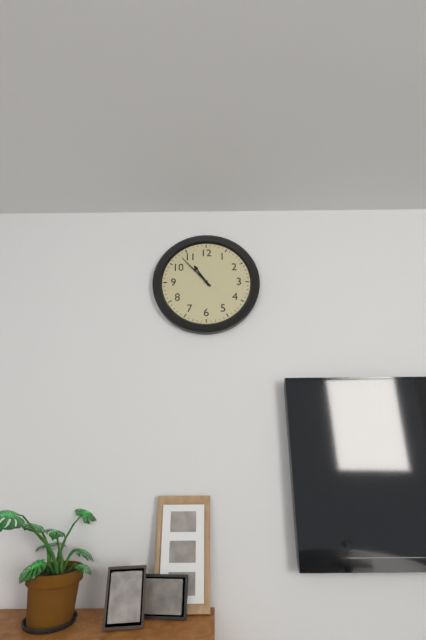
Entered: 10 h 53 min
